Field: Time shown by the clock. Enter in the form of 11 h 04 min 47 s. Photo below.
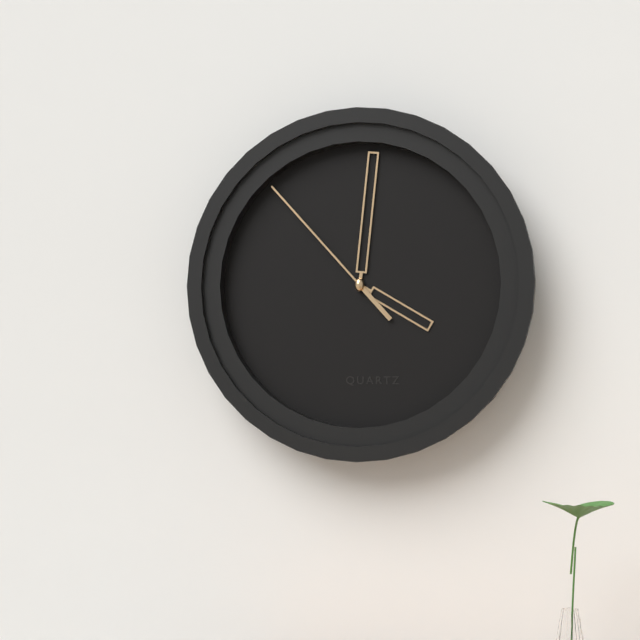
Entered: 4 h 01 min 53 s
